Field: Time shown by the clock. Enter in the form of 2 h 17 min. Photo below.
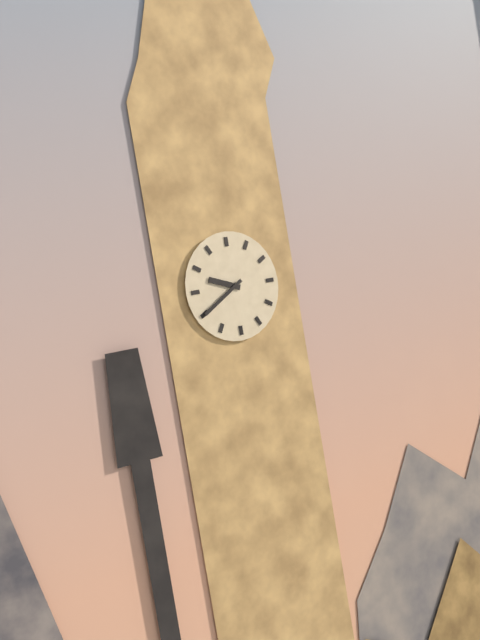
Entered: 9 h 40 min
